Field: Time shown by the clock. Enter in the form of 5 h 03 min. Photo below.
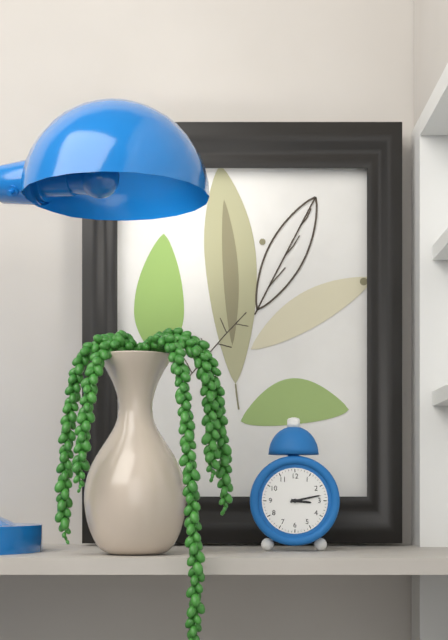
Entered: 3 h 13 min
